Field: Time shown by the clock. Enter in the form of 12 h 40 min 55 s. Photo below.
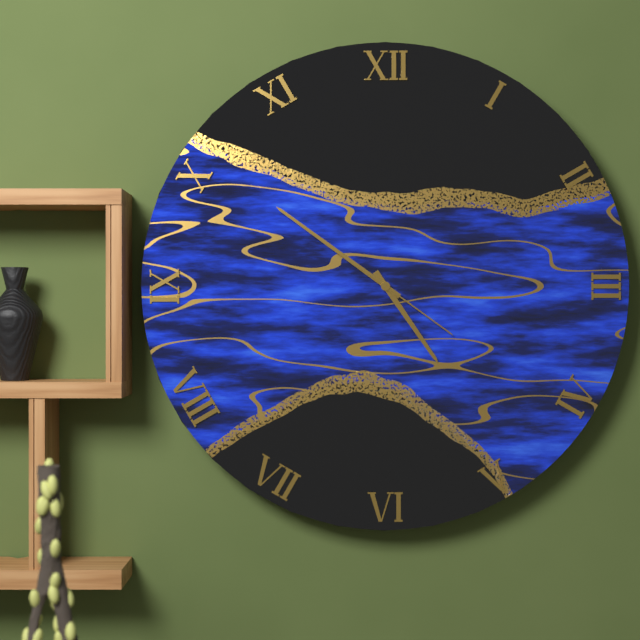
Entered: 4 h 51 min 21 s
